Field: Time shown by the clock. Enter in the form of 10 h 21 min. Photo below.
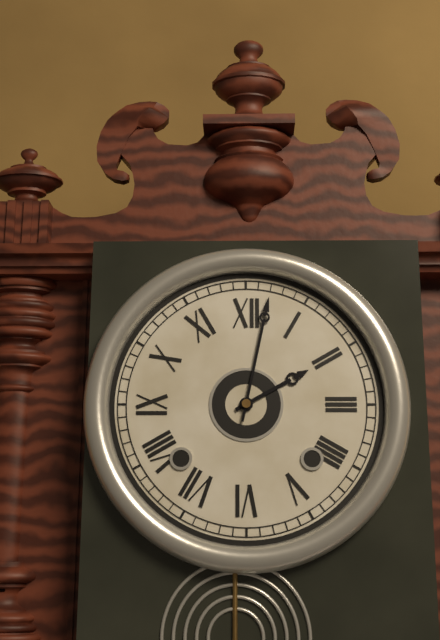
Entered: 2 h 02 min
